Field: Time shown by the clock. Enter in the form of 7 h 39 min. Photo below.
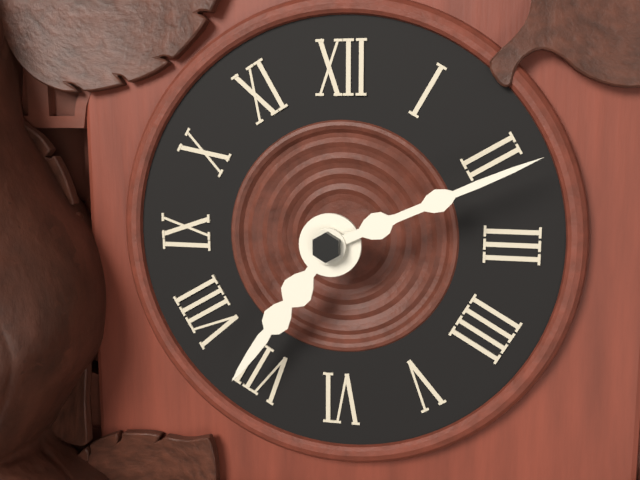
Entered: 7 h 11 min
